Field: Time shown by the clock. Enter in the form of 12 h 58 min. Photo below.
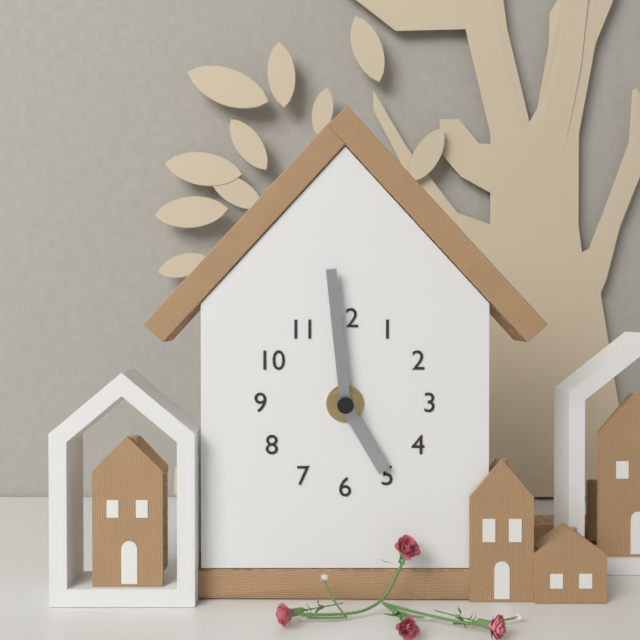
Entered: 4 h 59 min
